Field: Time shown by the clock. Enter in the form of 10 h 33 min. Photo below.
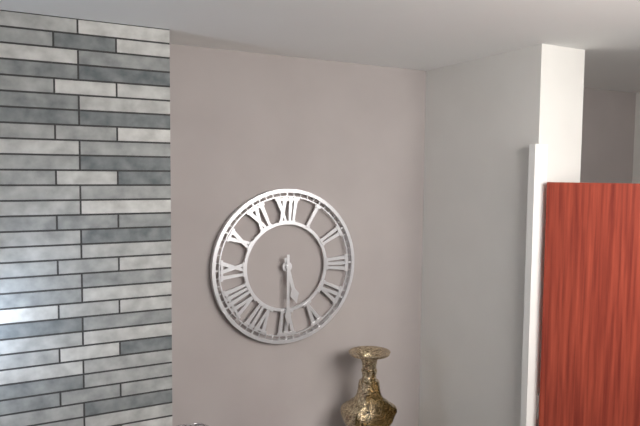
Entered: 5 h 30 min
